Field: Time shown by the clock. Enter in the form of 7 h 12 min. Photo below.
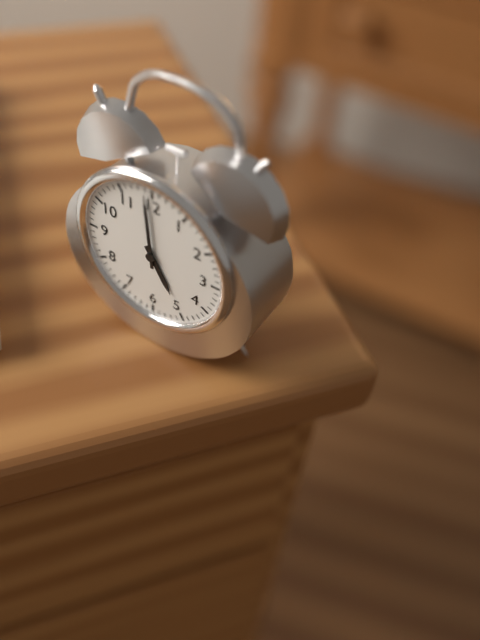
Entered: 4 h 59 min
